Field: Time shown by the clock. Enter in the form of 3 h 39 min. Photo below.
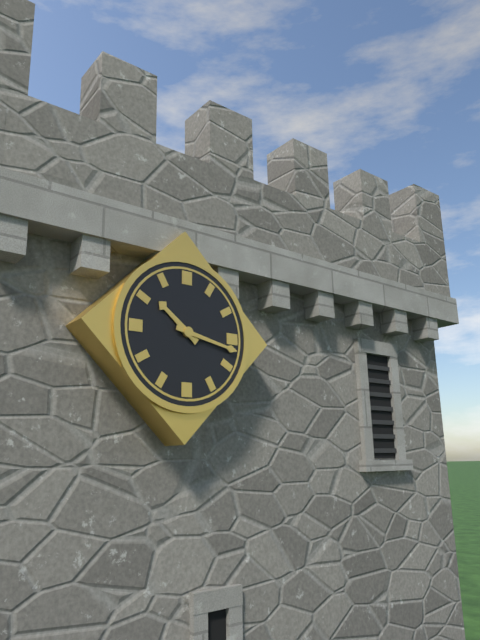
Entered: 10 h 17 min
